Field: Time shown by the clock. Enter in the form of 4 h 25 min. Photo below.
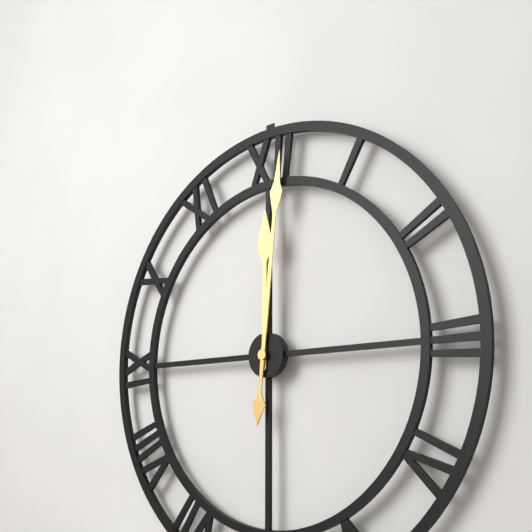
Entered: 12 h 01 min
